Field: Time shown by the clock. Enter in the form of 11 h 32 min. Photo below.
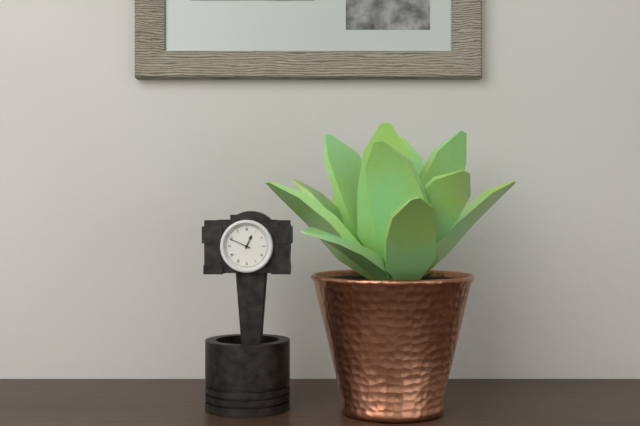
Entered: 12 h 49 min
